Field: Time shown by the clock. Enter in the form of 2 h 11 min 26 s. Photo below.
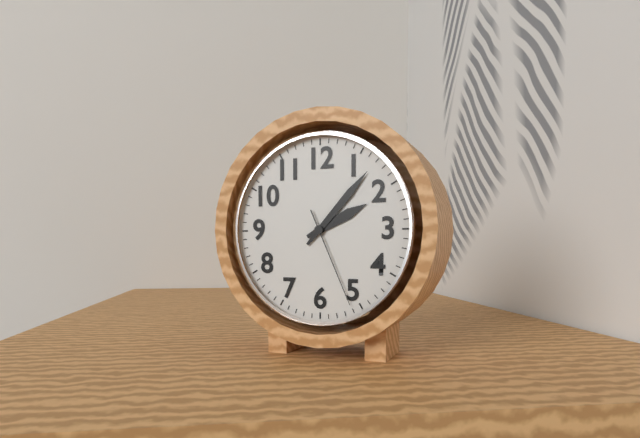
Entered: 2 h 07 min 26 s
